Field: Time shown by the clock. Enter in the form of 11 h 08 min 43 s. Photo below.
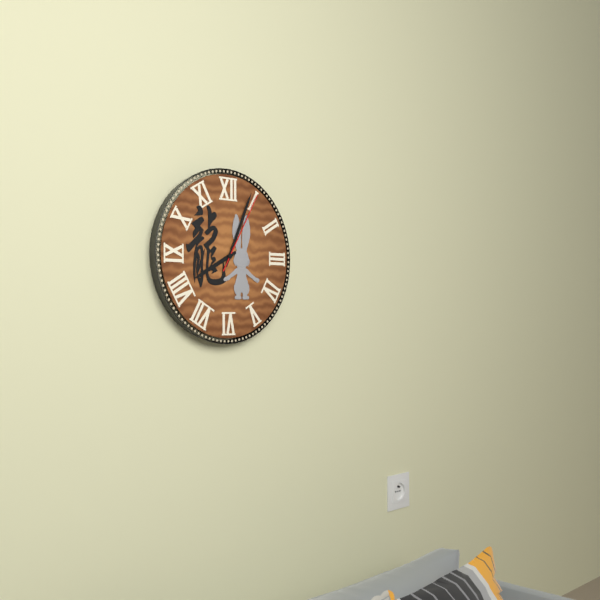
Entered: 8 h 04 min 05 s
